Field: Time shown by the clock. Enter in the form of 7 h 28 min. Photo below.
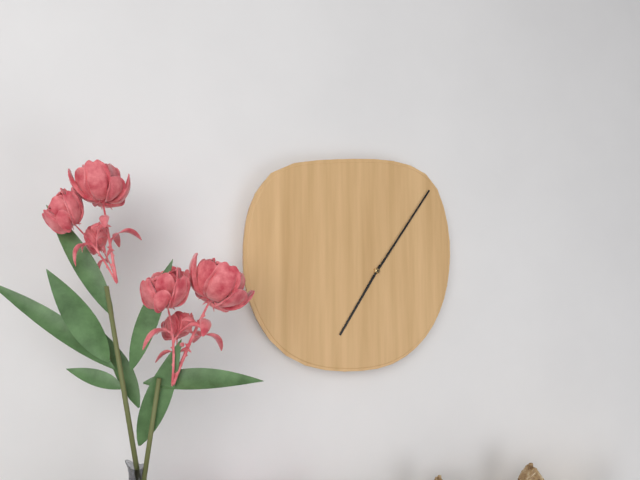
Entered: 7 h 06 min
